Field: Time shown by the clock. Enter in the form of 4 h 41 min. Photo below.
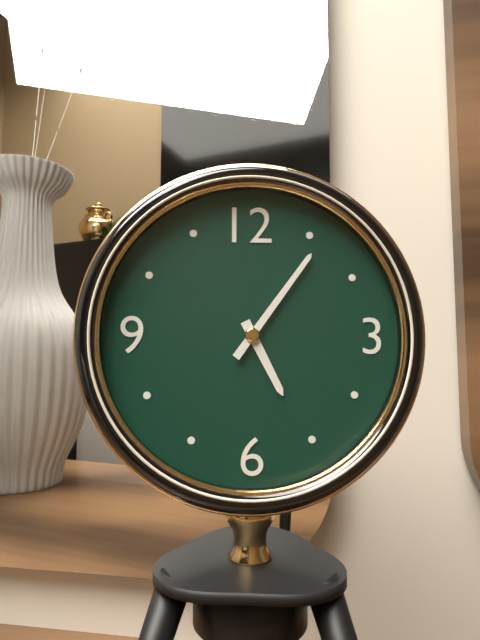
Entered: 5 h 06 min
